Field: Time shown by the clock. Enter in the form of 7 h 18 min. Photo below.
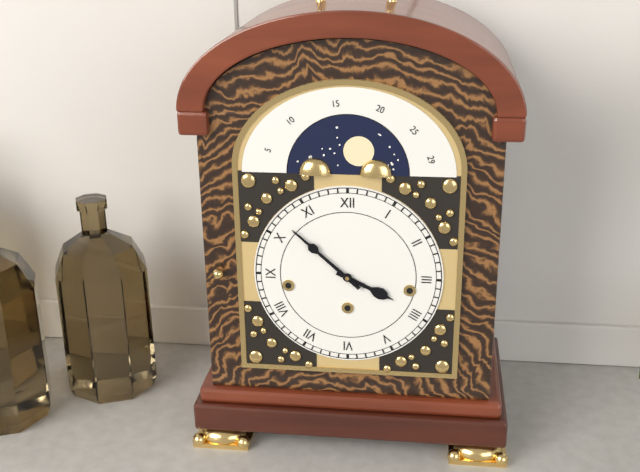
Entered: 3 h 52 min
